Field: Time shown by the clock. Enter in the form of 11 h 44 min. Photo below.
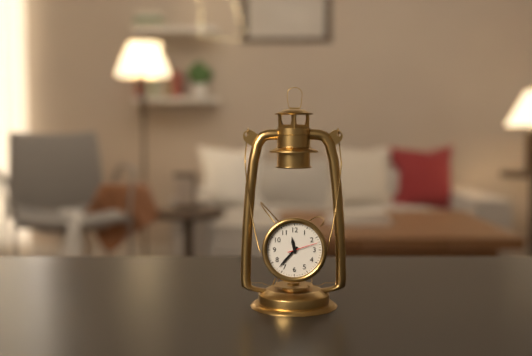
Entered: 11 h 37 min
